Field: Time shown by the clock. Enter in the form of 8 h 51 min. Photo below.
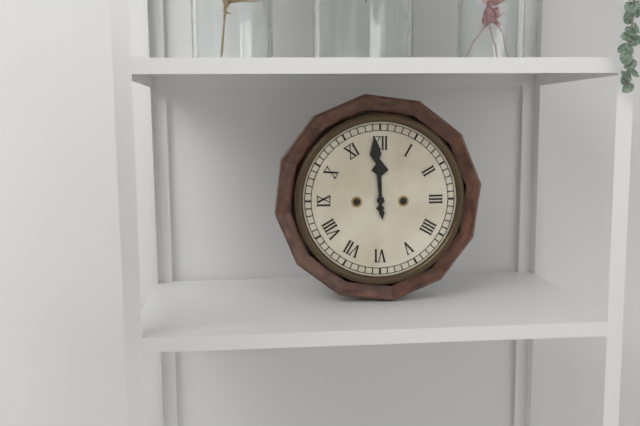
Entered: 11 h 59 min
